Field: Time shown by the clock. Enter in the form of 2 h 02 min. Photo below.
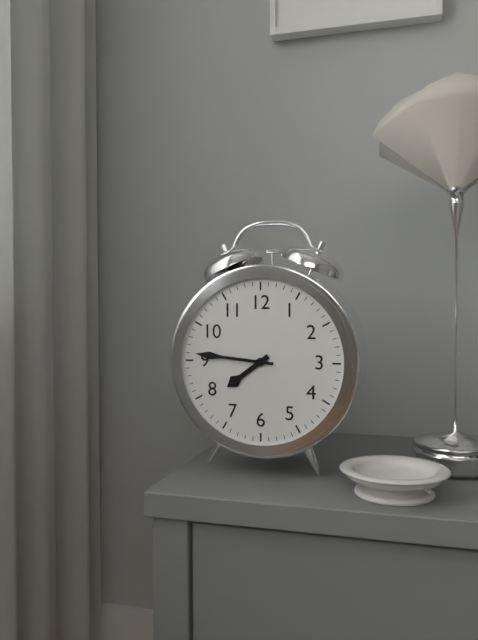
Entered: 7 h 46 min
